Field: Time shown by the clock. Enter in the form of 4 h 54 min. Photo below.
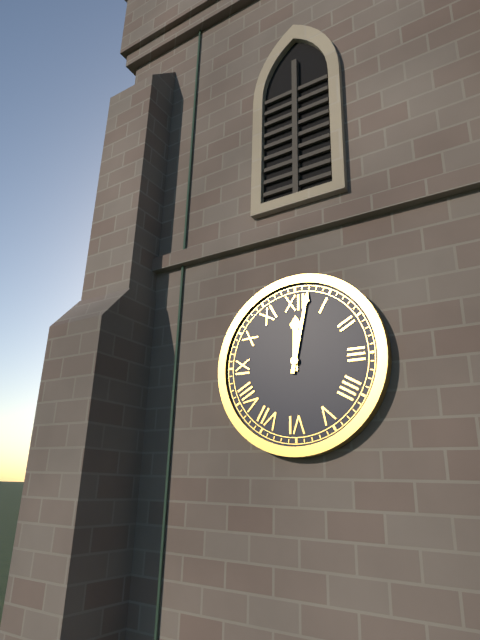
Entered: 12 h 02 min
